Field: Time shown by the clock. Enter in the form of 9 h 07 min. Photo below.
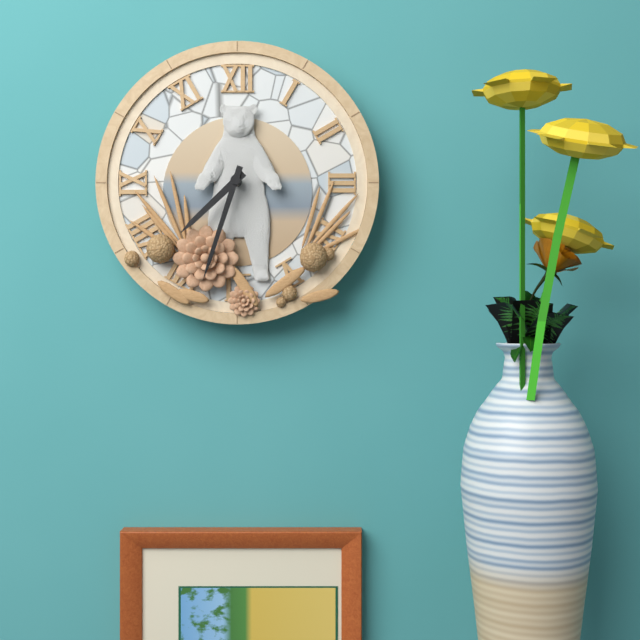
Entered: 7 h 33 min
